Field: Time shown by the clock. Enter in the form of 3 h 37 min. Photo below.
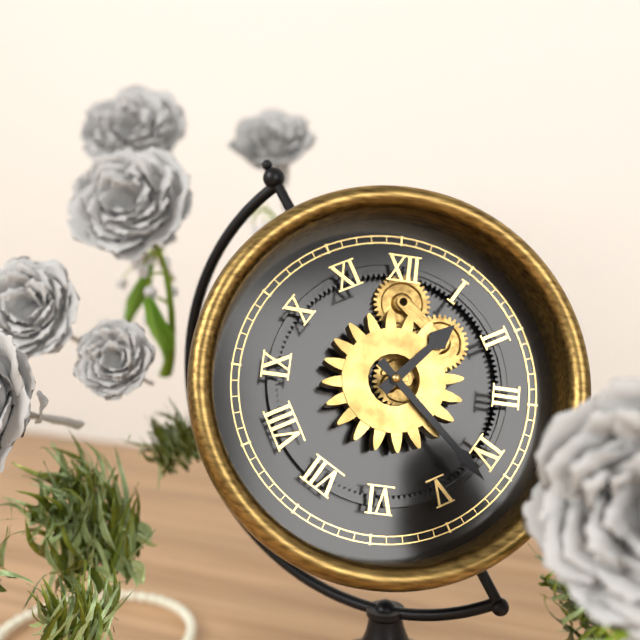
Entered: 1 h 22 min
